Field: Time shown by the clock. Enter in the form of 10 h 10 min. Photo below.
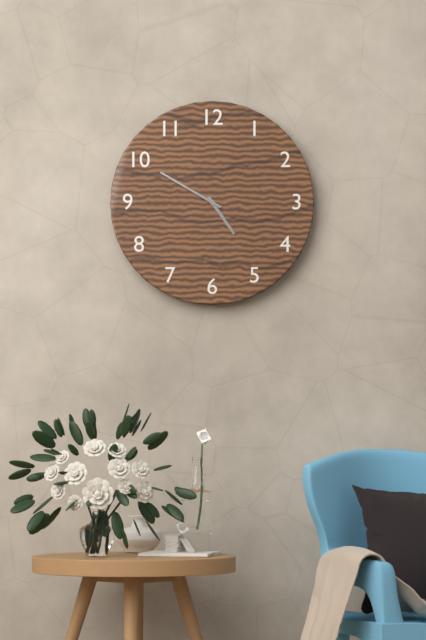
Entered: 4 h 50 min
